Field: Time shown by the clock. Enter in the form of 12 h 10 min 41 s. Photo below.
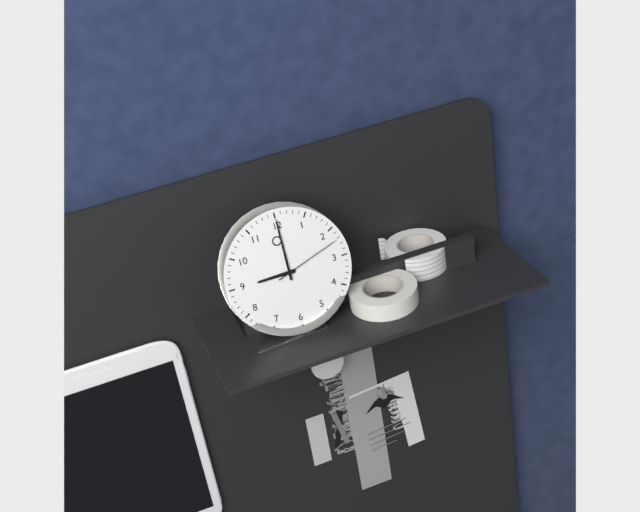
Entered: 9 h 00 min 12 s
